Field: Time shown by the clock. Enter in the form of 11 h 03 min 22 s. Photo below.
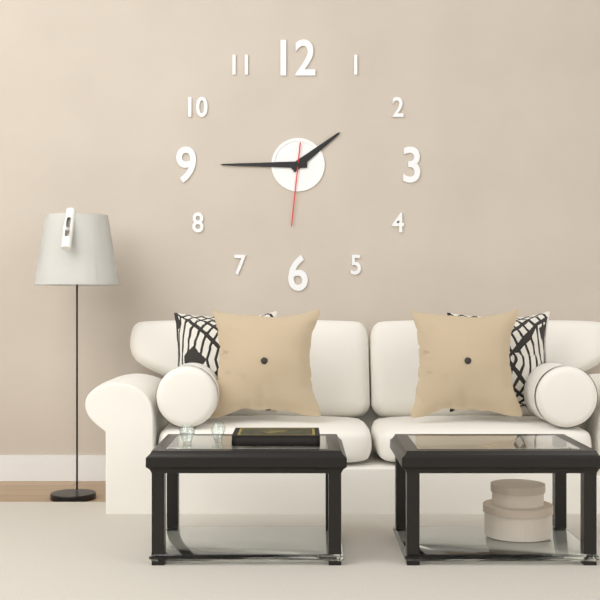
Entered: 1 h 45 min 31 s
